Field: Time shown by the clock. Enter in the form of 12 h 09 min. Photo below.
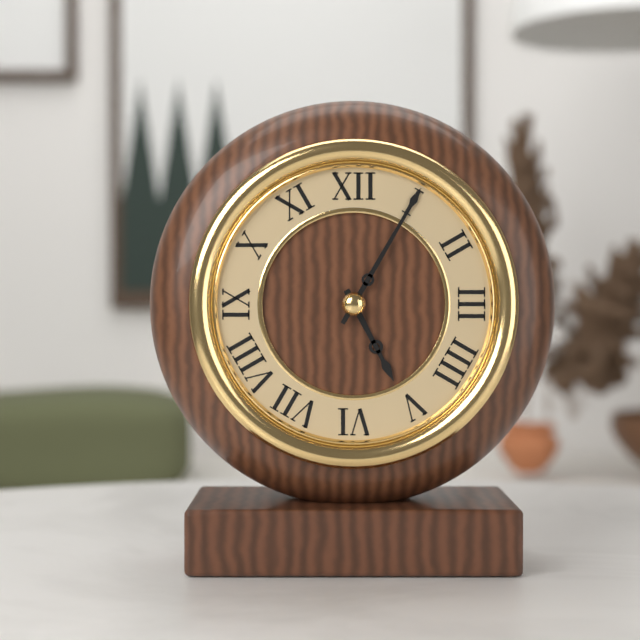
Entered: 5 h 05 min
